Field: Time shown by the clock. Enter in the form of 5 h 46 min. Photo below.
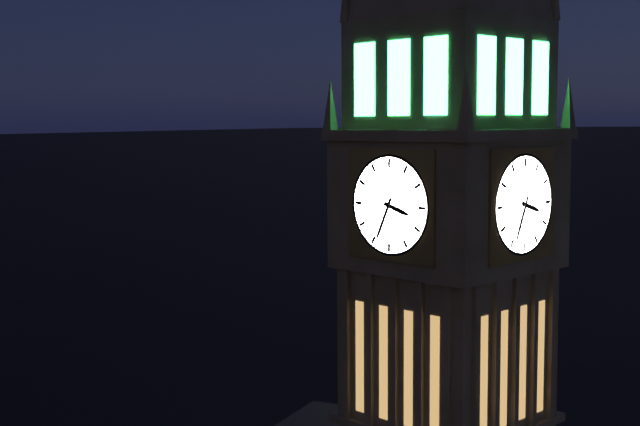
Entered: 3 h 34 min
